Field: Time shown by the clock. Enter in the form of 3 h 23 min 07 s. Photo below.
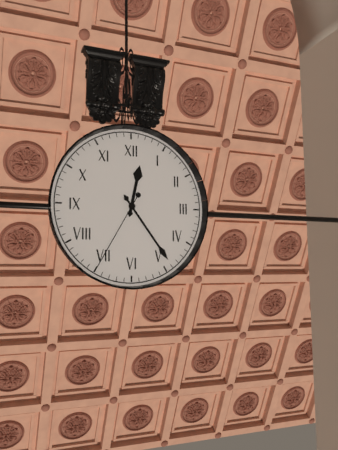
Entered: 12 h 24 min 35 s
